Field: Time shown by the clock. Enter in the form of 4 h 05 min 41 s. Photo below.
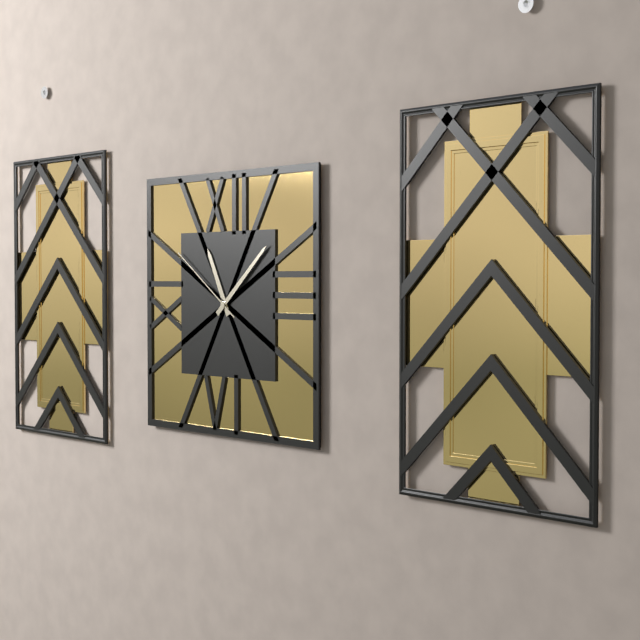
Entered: 11 h 08 min 51 s
